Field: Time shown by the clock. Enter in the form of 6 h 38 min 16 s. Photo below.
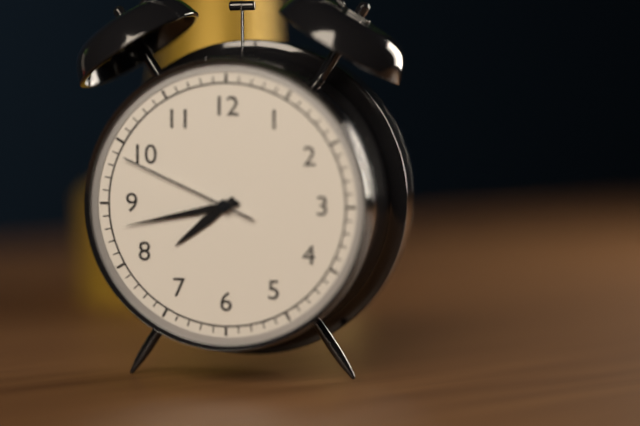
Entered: 7 h 43 min 49 s
